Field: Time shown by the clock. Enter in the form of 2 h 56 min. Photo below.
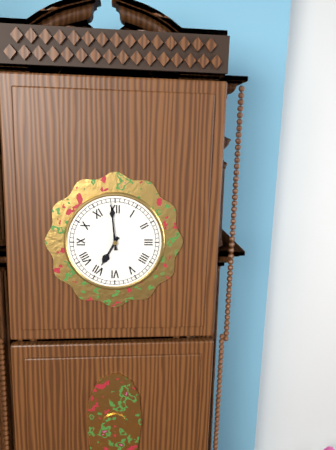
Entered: 6 h 59 min
